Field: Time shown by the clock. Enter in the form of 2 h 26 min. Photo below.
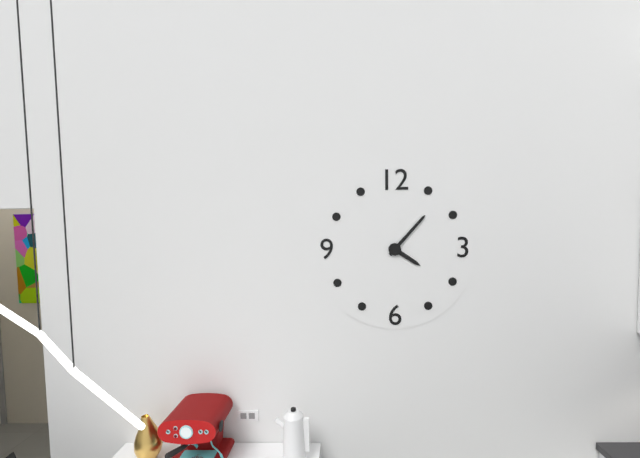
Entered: 4 h 07 min
